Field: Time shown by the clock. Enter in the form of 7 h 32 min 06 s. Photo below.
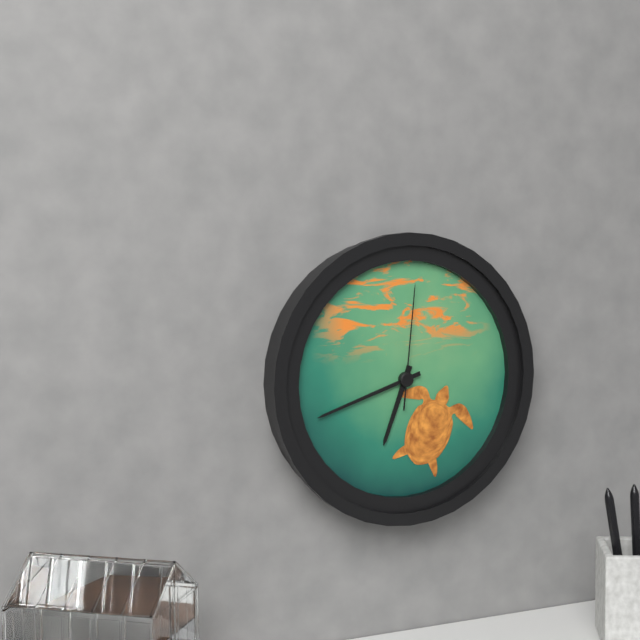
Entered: 6 h 42 min 01 s
